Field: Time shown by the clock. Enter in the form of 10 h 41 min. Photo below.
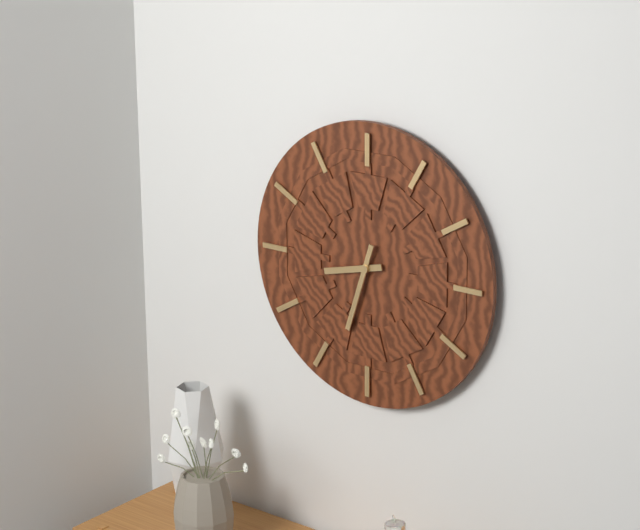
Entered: 8 h 33 min
